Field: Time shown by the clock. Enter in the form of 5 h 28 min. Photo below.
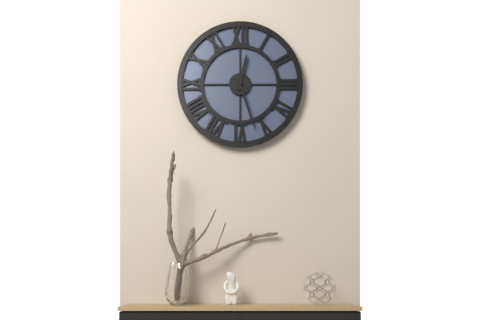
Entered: 12 h 27 min
